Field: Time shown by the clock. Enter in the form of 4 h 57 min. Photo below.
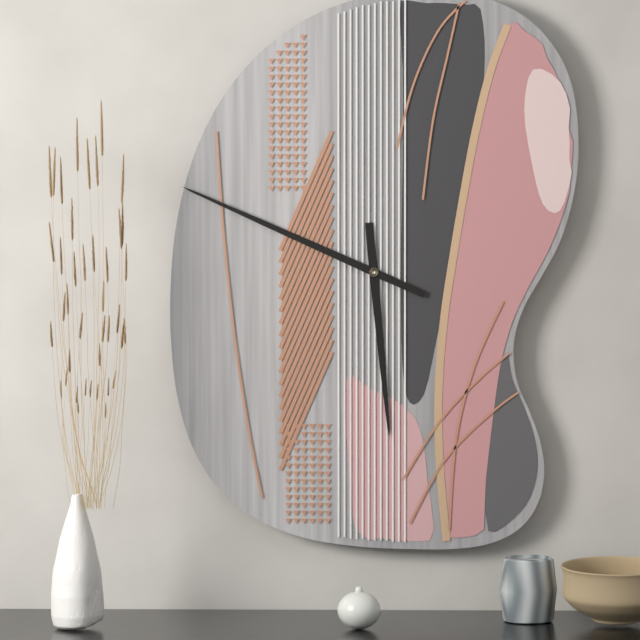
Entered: 5 h 49 min
